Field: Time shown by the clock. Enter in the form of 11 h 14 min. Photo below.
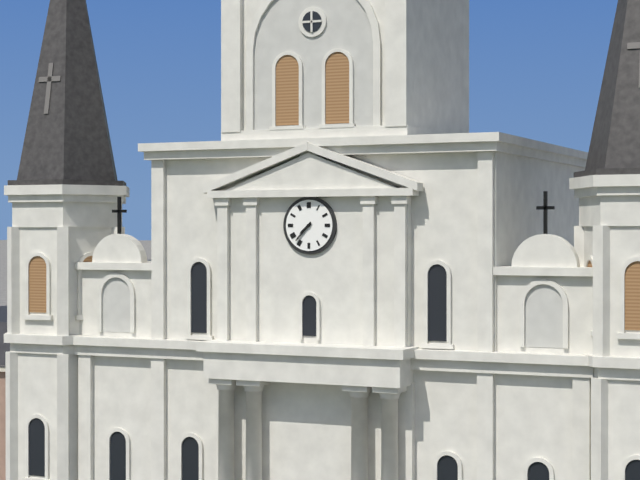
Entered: 7 h 37 min
